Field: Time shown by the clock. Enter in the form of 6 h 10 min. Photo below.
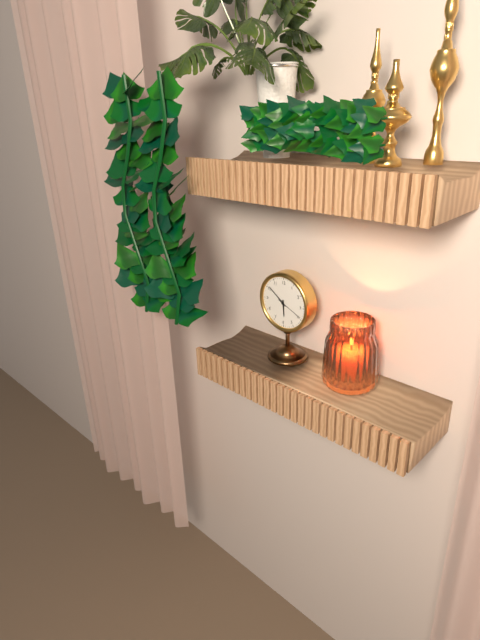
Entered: 5 h 51 min
